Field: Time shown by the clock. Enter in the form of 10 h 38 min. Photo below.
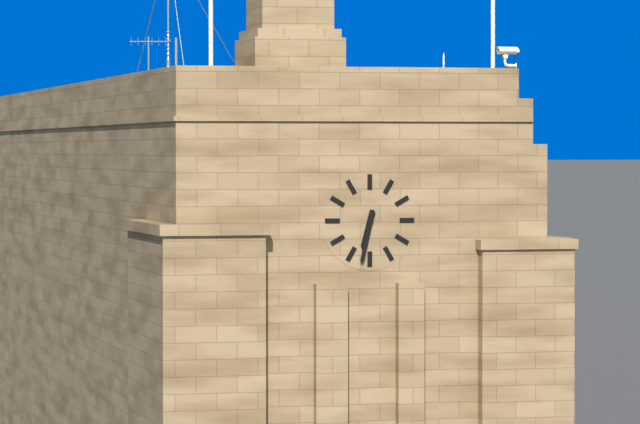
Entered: 6 h 32 min
